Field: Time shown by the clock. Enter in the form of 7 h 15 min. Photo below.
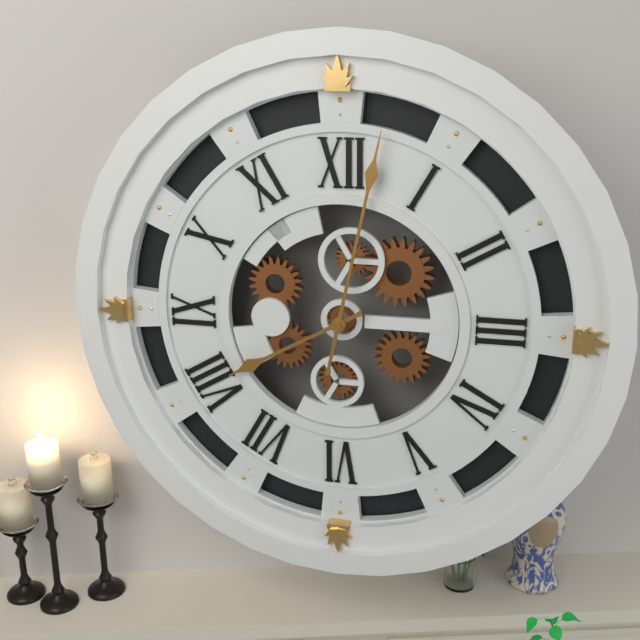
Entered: 8 h 02 min
